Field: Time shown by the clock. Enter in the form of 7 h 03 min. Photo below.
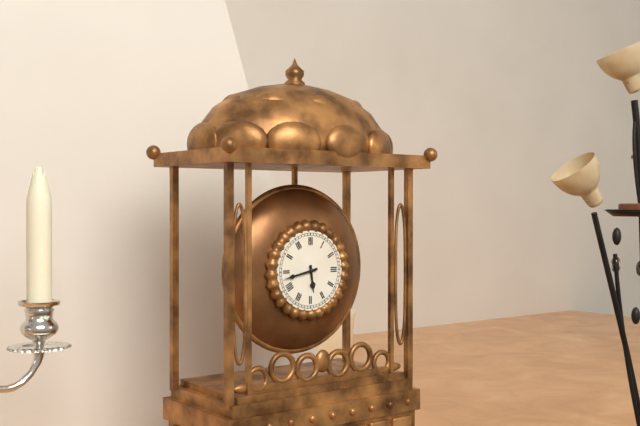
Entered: 5 h 43 min
